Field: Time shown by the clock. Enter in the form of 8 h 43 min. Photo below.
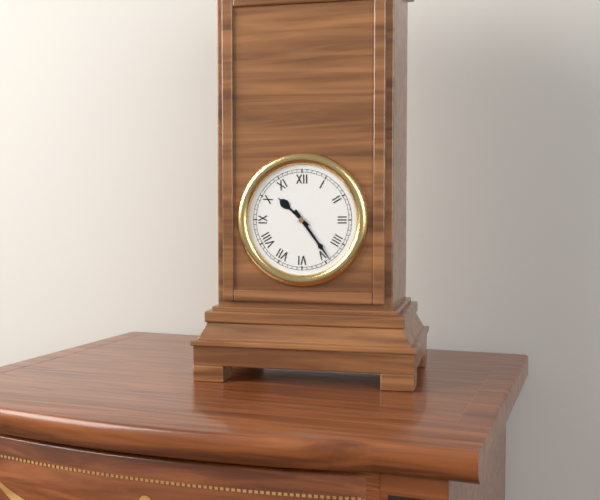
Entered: 10 h 24 min
